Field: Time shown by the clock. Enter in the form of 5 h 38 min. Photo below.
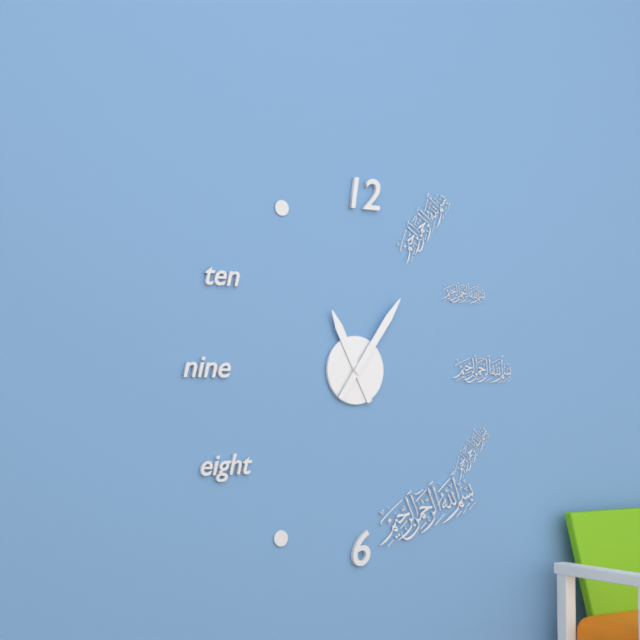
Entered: 11 h 06 min
